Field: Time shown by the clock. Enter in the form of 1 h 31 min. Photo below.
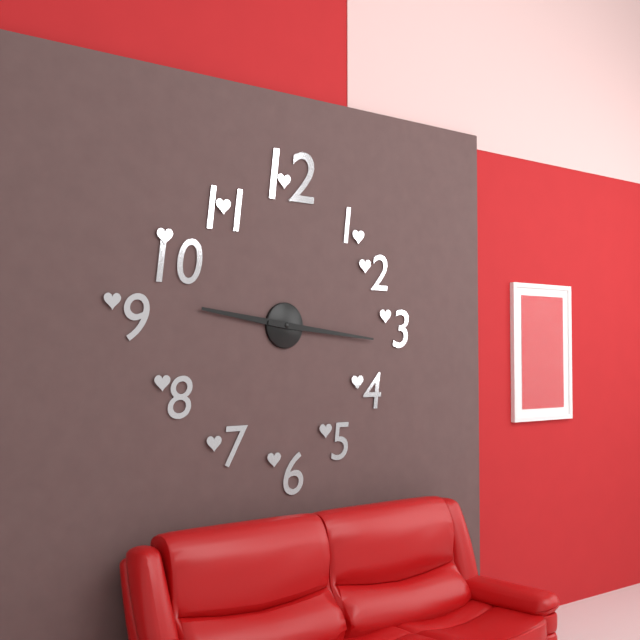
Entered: 9 h 16 min
